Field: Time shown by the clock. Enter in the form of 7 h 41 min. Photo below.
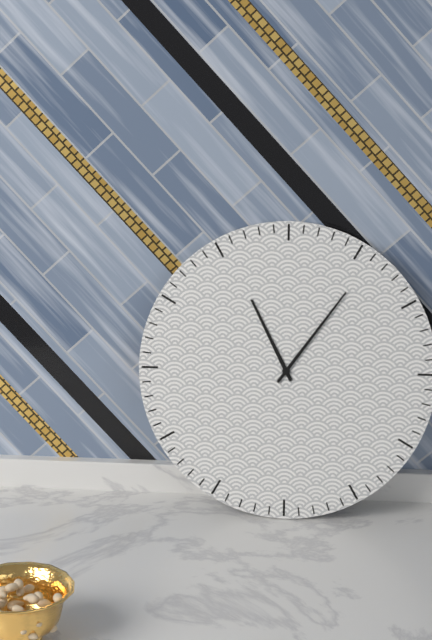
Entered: 11 h 06 min
